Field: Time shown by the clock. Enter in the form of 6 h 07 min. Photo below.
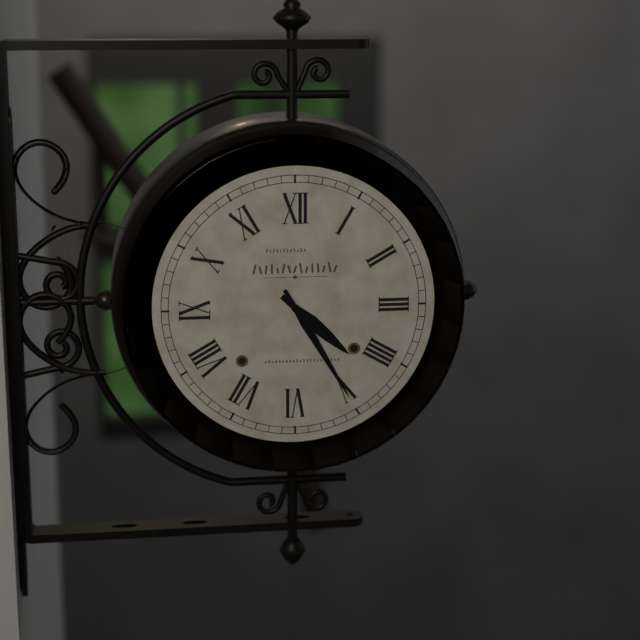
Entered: 4 h 25 min
